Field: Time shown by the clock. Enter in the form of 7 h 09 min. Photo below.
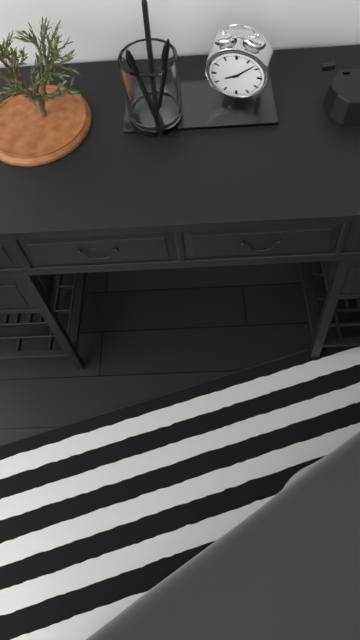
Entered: 8 h 08 min
